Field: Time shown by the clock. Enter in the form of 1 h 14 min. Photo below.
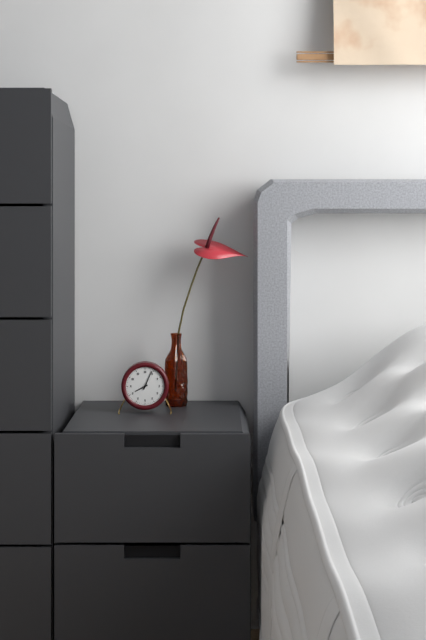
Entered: 8 h 04 min
